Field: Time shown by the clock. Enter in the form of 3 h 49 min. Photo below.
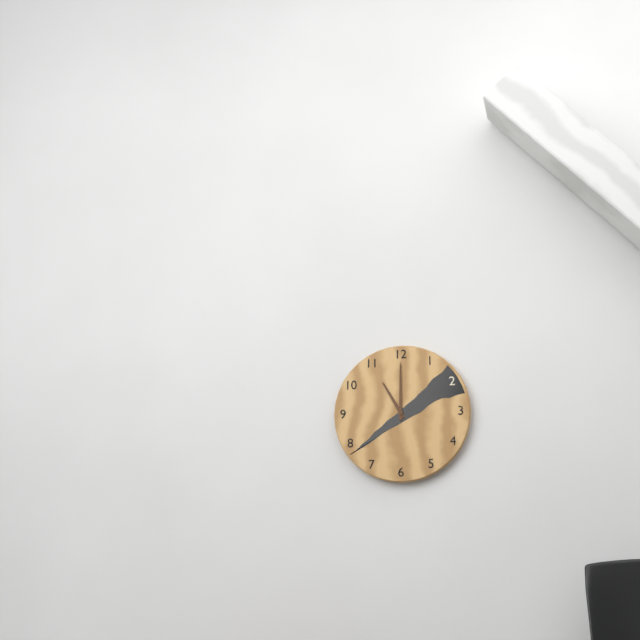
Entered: 11 h 00 min
